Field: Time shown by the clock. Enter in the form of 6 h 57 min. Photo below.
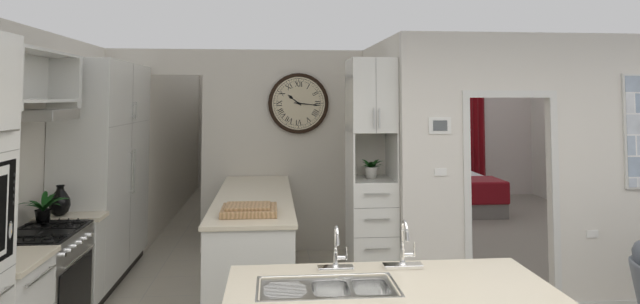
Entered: 10 h 16 min
